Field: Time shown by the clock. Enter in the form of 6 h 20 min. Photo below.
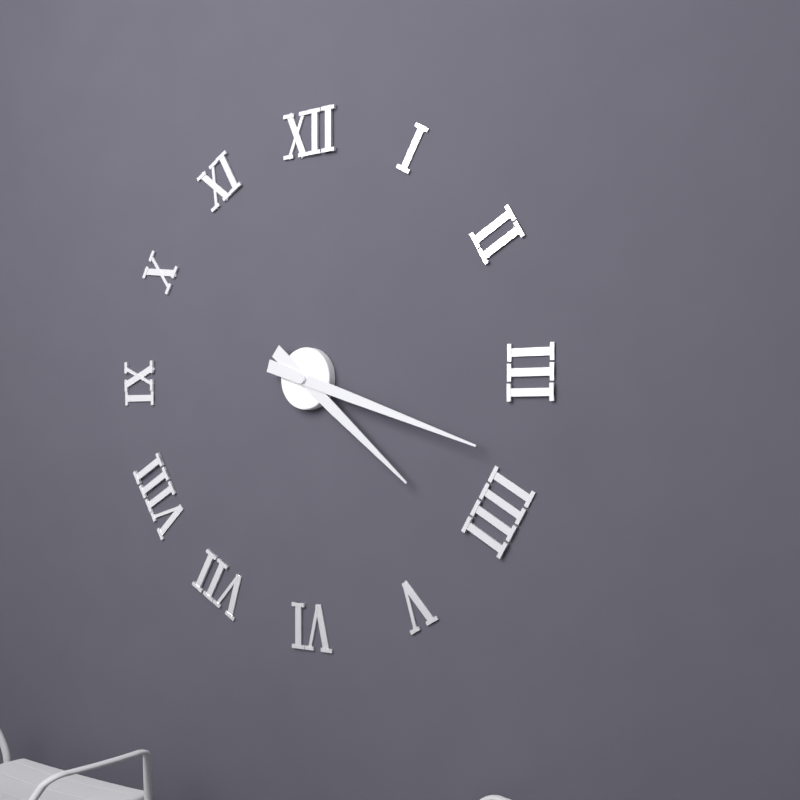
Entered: 4 h 18 min
